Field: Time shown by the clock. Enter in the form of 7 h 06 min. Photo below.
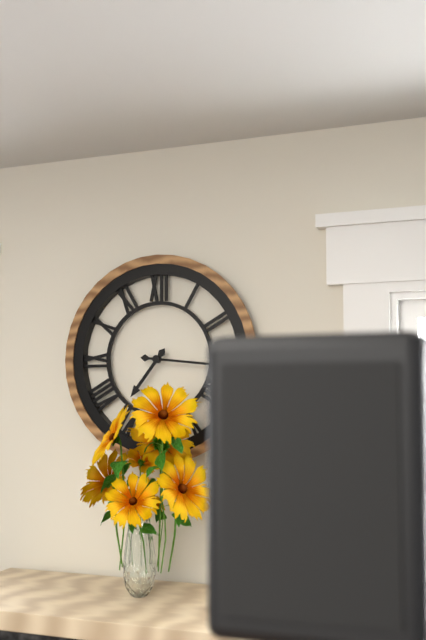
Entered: 7 h 16 min
